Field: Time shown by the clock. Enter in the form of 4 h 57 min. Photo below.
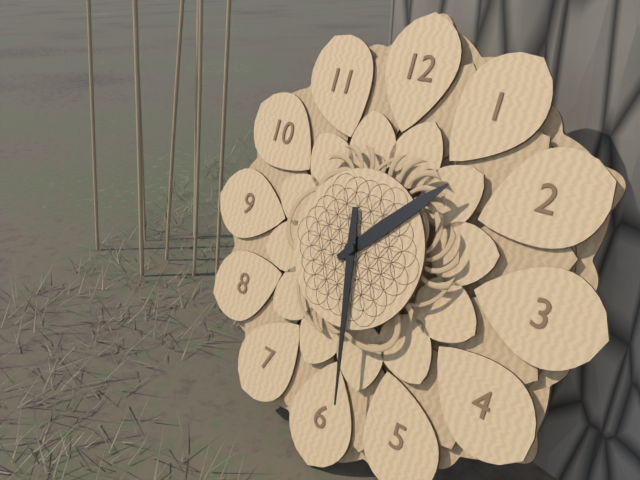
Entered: 1 h 28 min
